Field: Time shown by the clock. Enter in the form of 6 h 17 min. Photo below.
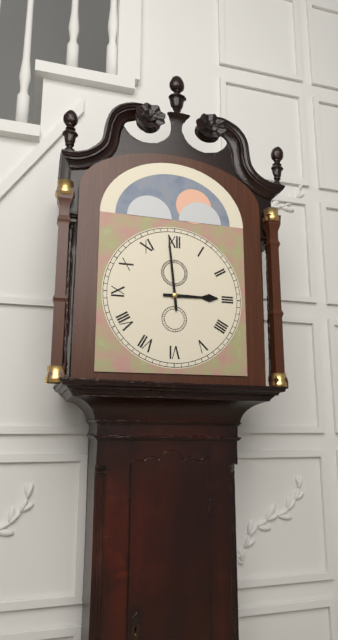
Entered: 2 h 59 min
